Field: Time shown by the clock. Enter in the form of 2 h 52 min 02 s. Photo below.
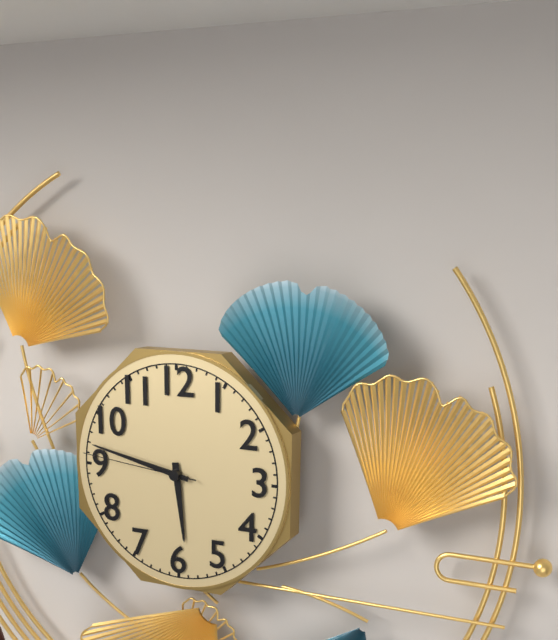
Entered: 5 h 47 min 46 s
